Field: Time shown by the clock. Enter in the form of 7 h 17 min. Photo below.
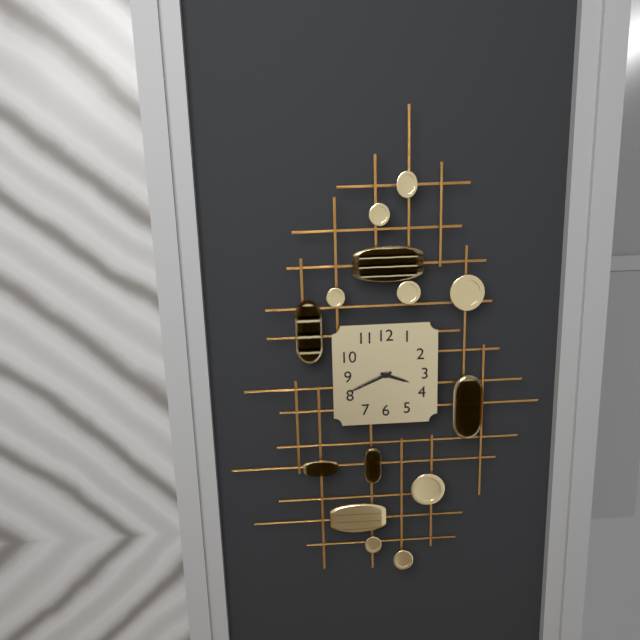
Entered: 3 h 41 min
